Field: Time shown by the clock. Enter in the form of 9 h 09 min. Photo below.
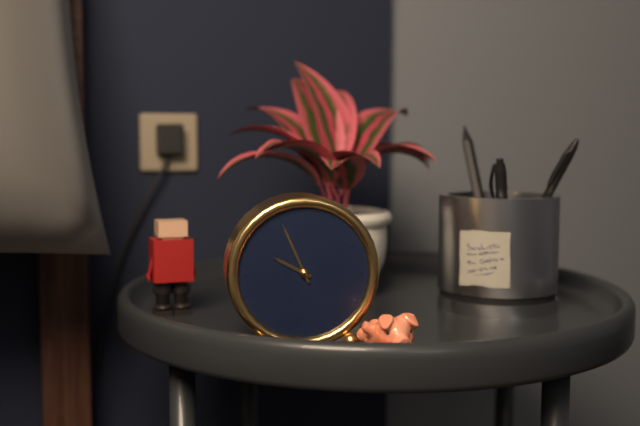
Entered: 9 h 56 min
